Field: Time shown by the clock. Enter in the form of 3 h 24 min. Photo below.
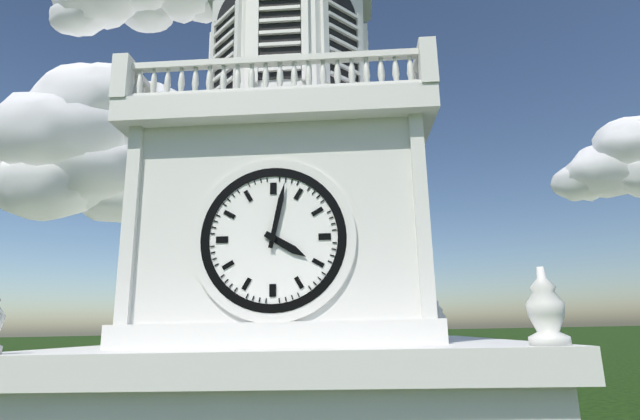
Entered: 4 h 02 min
